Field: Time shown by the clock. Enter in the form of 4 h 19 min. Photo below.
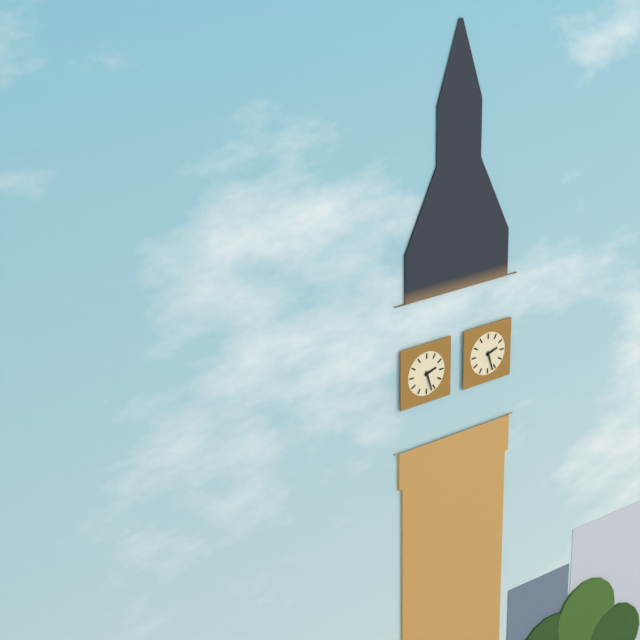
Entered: 2 h 27 min
